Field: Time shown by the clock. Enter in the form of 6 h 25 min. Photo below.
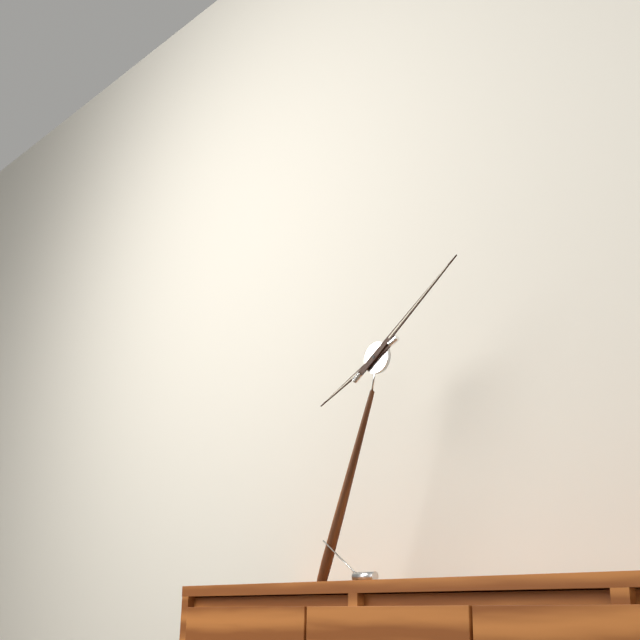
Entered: 8 h 09 min
